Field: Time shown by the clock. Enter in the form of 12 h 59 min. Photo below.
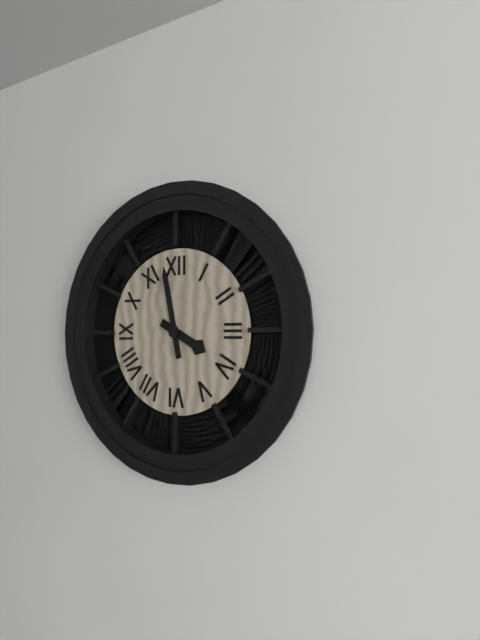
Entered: 3 h 58 min
